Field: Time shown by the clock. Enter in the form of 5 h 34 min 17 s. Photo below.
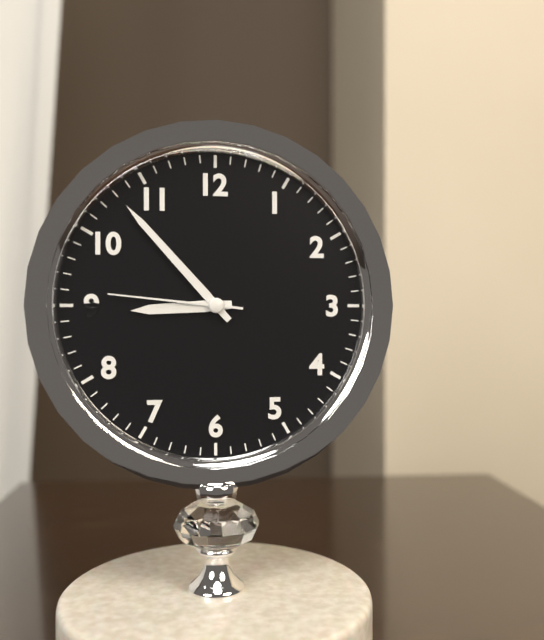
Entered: 8 h 53 min 46 s
